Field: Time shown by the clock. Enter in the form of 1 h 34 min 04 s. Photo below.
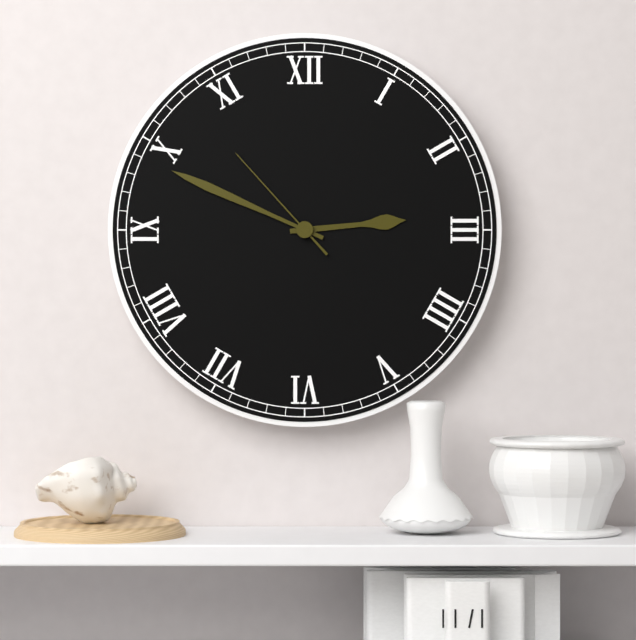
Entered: 2 h 49 min 53 s
